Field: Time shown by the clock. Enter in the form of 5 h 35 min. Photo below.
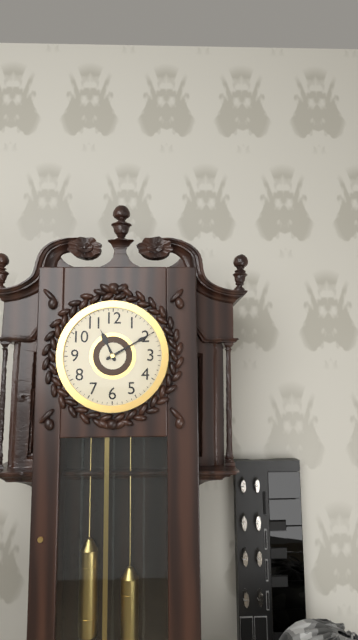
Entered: 11 h 10 min
